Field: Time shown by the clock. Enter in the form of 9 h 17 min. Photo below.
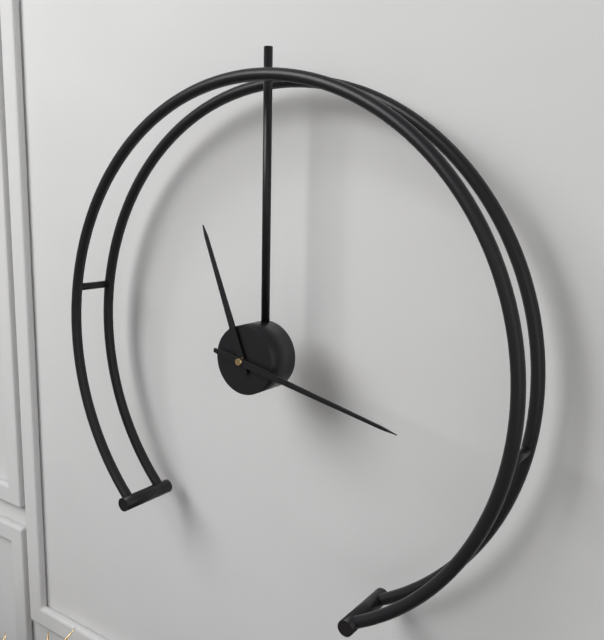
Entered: 11 h 17 min
